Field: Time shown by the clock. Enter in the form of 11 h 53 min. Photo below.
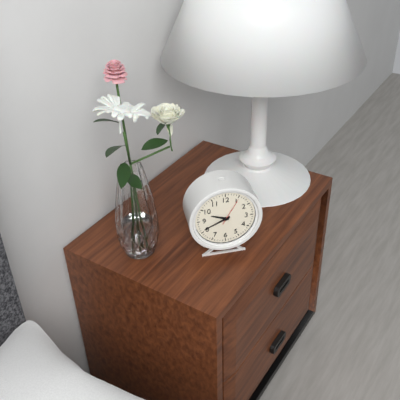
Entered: 9 h 41 min
